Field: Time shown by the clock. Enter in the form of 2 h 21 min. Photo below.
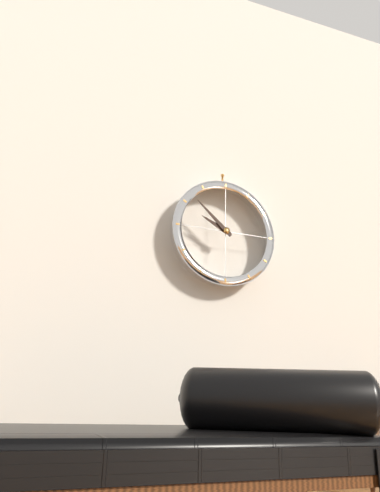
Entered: 9 h 52 min
